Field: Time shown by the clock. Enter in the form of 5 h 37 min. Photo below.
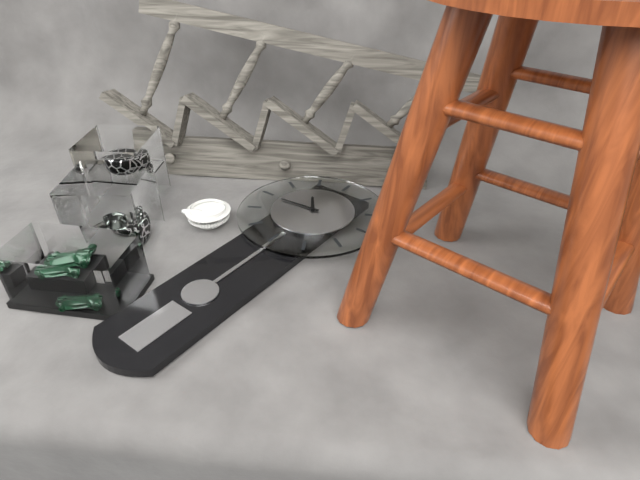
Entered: 10 h 44 min
